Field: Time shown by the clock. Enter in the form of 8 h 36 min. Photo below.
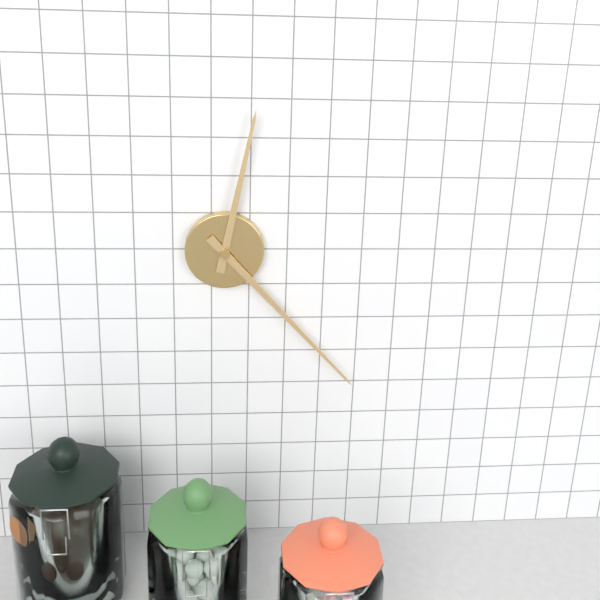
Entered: 12 h 23 min
